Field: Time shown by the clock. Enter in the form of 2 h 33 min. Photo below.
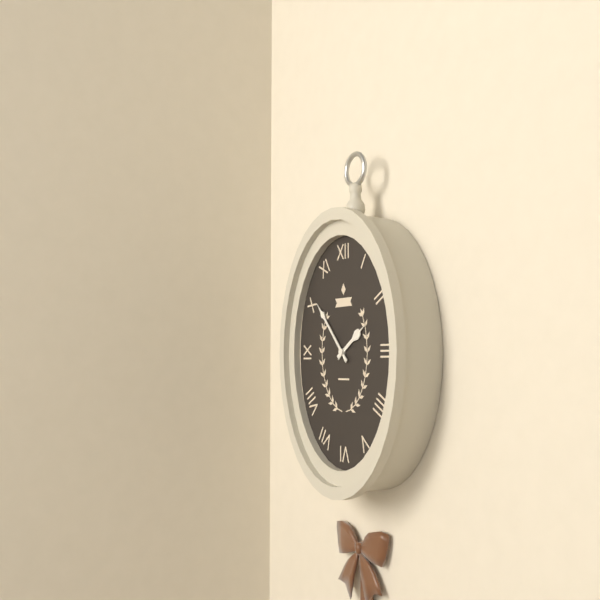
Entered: 1 h 53 min
